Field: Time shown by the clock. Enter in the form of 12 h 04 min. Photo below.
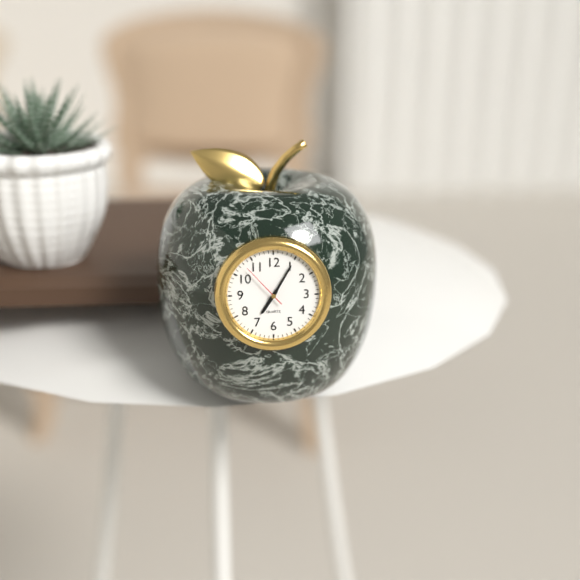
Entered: 7 h 05 min
